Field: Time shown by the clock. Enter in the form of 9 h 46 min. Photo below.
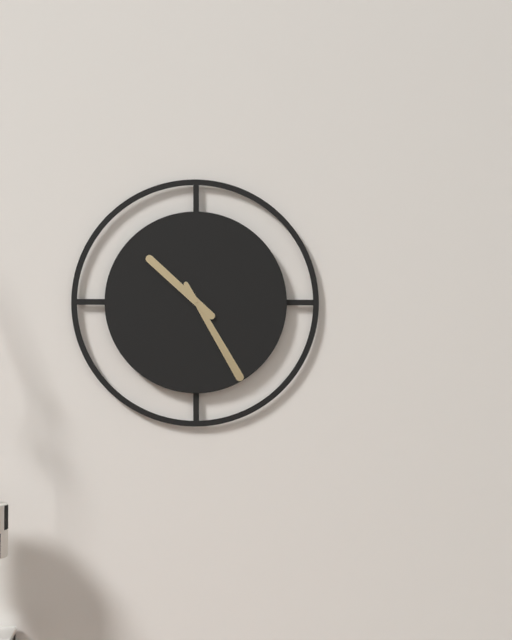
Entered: 10 h 25 min
